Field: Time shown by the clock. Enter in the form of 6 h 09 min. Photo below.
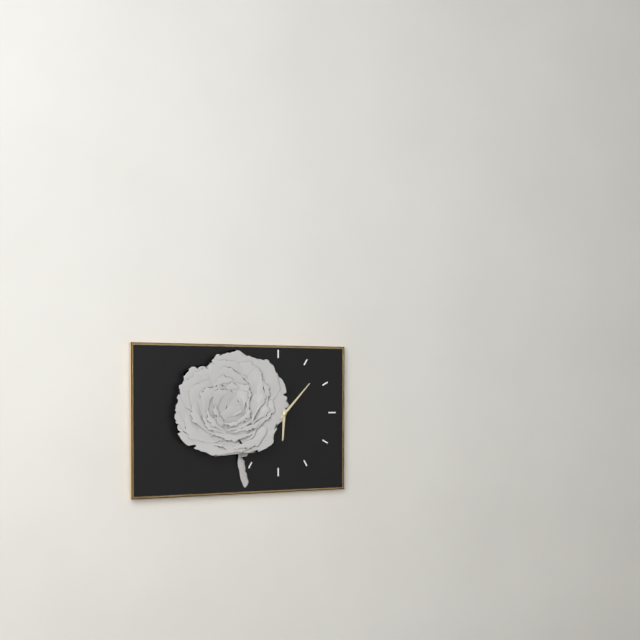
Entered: 6 h 07 min
